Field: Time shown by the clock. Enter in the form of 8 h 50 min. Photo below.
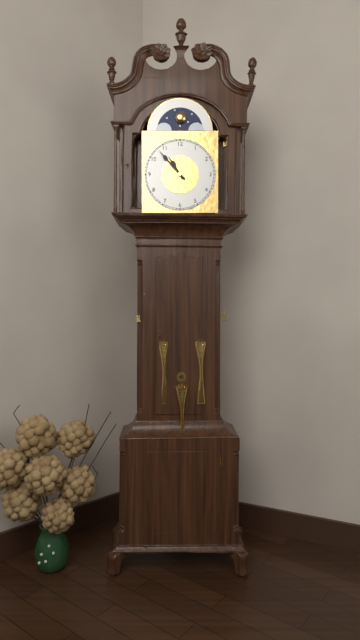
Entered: 10 h 53 min
